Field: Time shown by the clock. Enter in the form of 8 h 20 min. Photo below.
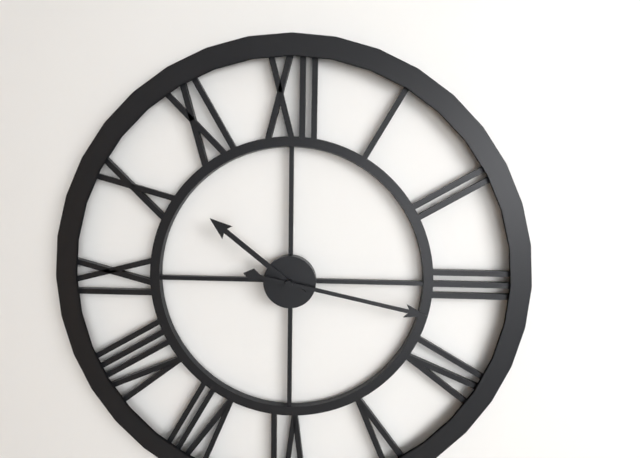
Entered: 10 h 17 min
